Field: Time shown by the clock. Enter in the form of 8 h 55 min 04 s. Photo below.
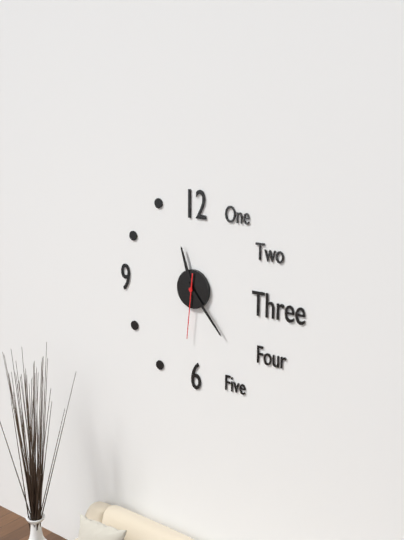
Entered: 11 h 23 min 31 s
